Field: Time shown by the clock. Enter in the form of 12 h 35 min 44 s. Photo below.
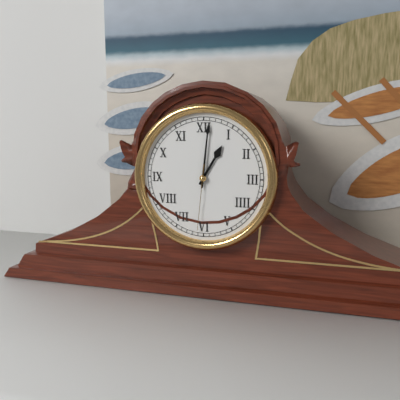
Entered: 1 h 01 min 31 s
